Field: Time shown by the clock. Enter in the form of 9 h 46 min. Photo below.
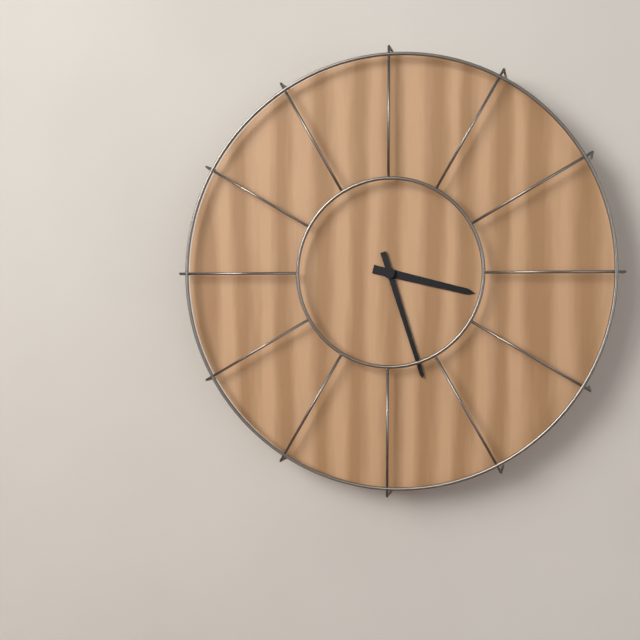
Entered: 3 h 27 min
